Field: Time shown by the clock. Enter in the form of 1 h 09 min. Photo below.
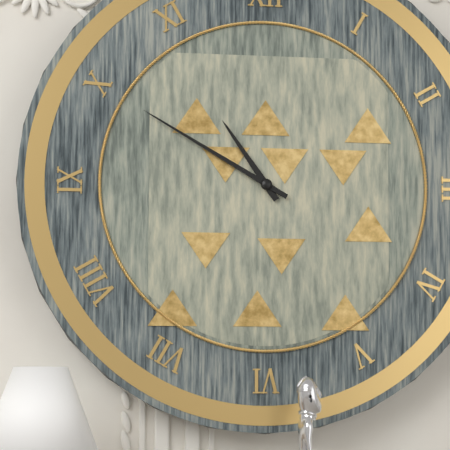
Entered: 10 h 50 min
